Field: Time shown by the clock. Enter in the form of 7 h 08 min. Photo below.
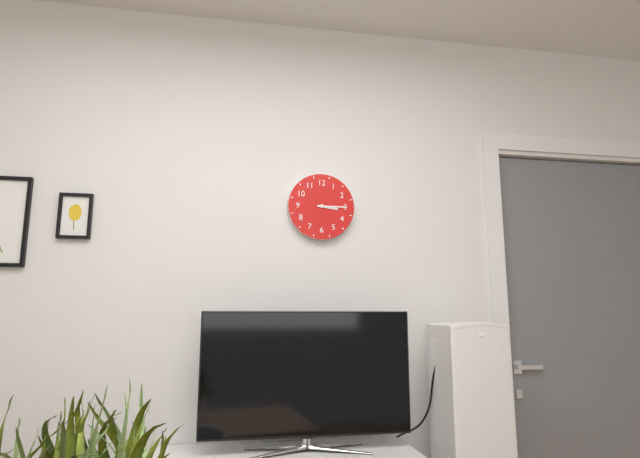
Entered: 3 h 15 min
